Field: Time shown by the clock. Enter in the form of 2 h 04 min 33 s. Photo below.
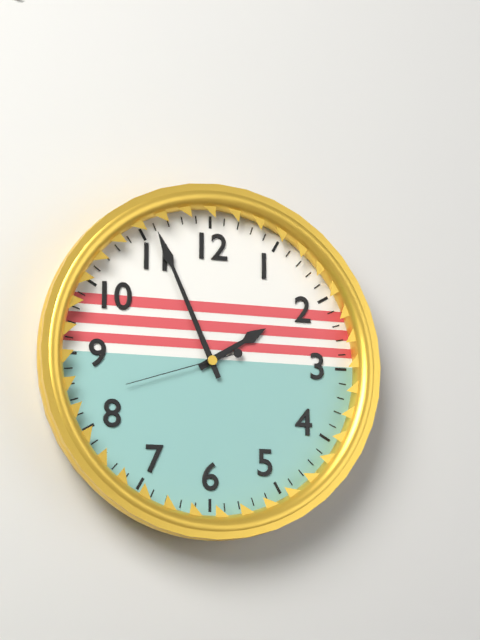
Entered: 1 h 56 min 42 s
